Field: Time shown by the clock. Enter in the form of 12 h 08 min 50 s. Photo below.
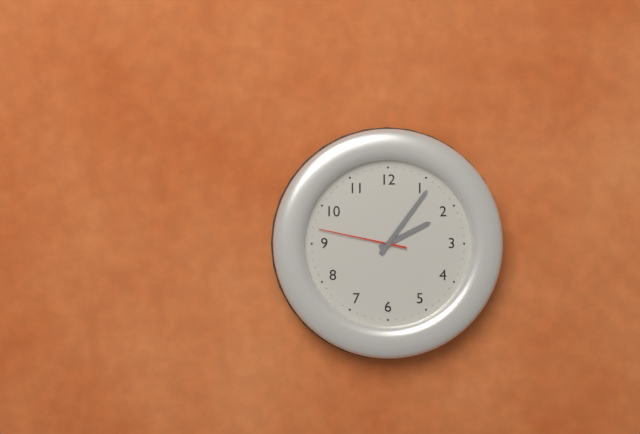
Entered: 2 h 06 min 47 s
